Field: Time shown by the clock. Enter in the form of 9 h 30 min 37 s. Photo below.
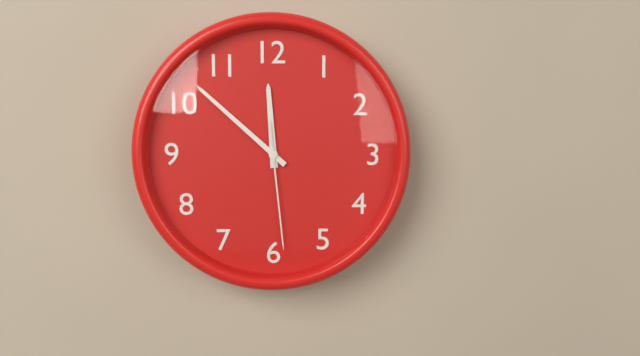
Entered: 11 h 52 min 29 s
